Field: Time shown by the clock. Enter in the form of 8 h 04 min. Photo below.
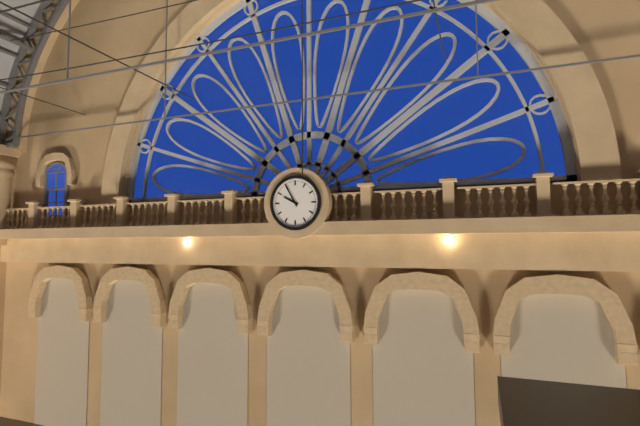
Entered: 9 h 55 min
